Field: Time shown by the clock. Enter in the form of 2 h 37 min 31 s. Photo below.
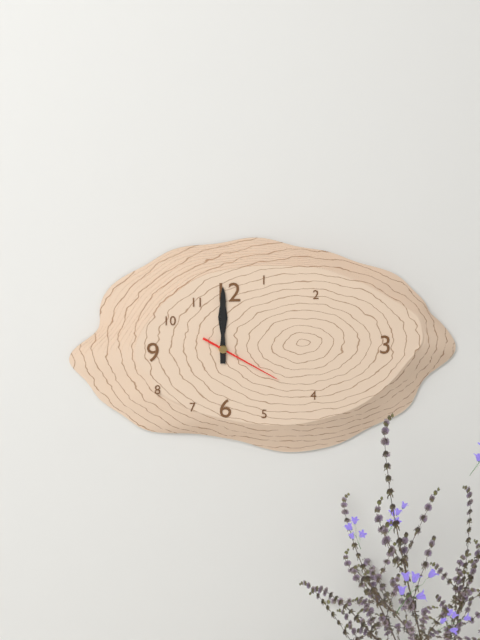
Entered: 12 h 00 min 20 s
